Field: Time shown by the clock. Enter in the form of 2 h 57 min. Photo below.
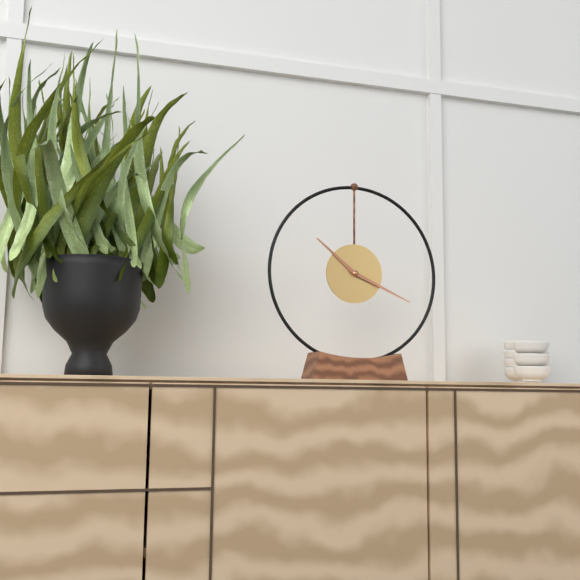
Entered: 10 h 19 min
